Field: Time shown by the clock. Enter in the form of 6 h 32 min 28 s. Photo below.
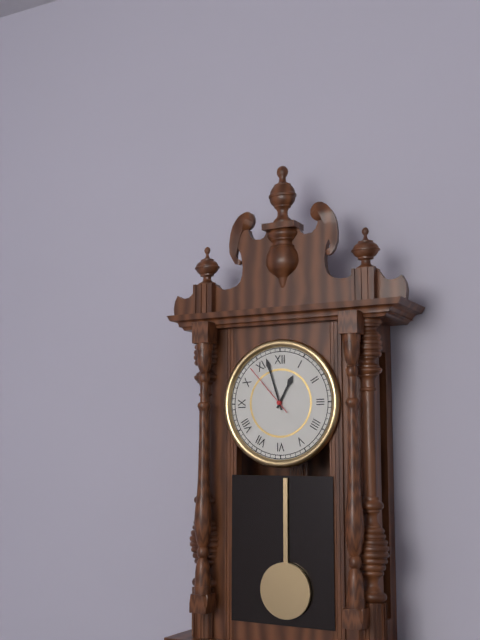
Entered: 12 h 57 min 53 s
